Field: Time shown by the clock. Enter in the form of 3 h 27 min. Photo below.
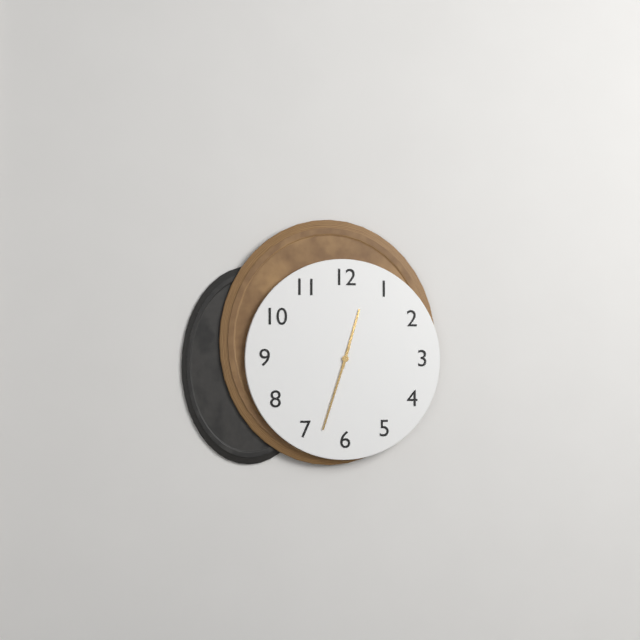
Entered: 12 h 33 min
